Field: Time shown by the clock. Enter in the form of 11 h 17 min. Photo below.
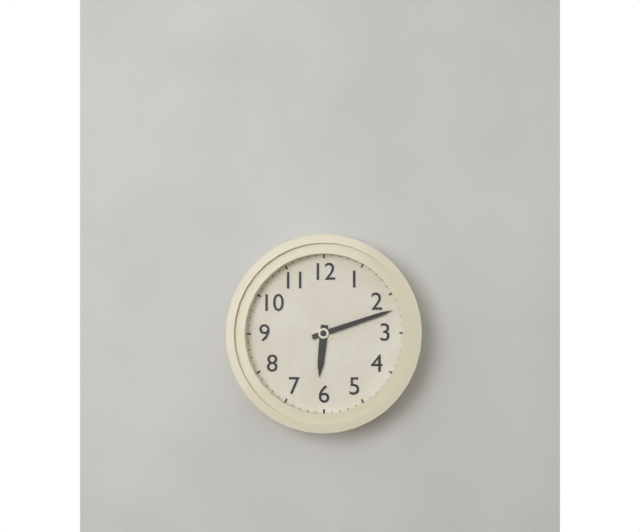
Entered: 6 h 12 min
